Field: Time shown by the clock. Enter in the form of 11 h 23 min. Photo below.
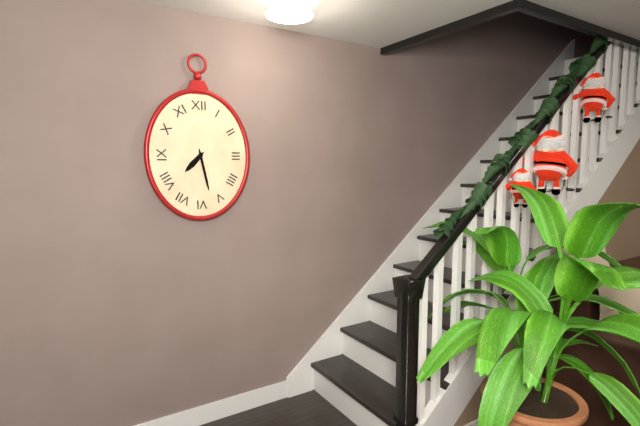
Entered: 7 h 28 min
